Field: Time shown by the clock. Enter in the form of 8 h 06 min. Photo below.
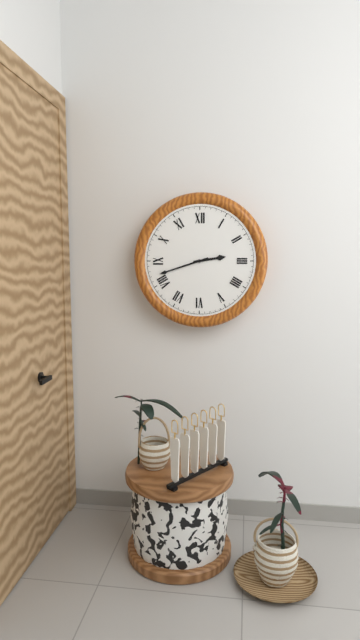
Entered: 2 h 42 min
